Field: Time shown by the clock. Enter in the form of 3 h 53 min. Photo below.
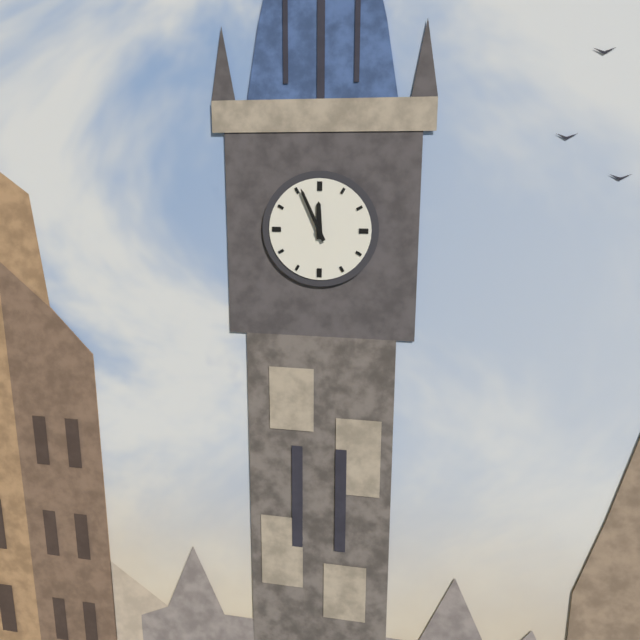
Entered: 11 h 56 min
